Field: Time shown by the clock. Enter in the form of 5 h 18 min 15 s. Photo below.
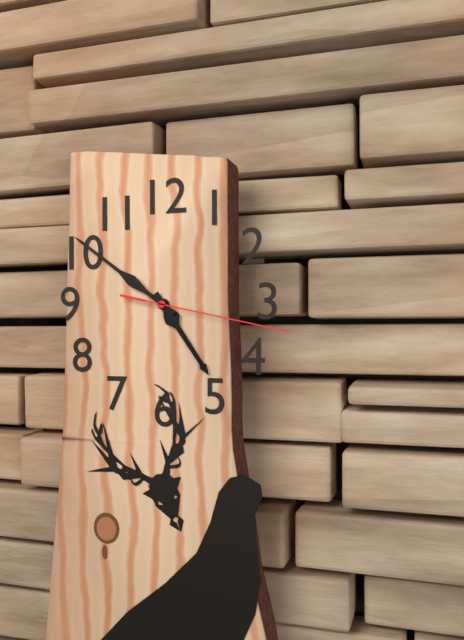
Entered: 4 h 51 min 17 s
